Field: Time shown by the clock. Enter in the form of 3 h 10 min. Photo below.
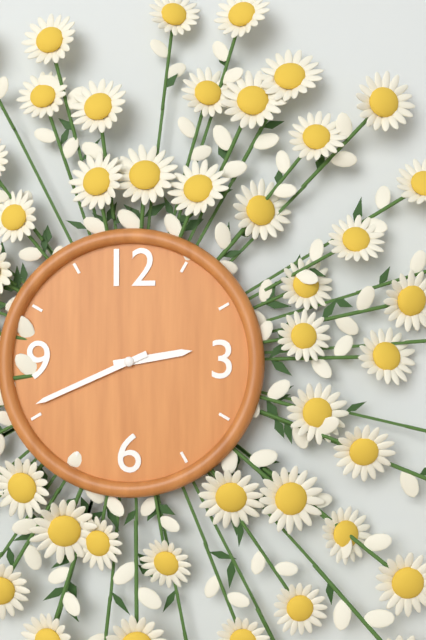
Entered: 2 h 41 min
